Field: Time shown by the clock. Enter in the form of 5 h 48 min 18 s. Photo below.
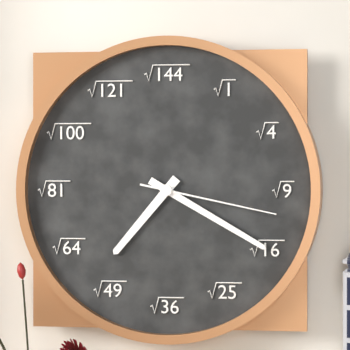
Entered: 7 h 20 min 17 s
